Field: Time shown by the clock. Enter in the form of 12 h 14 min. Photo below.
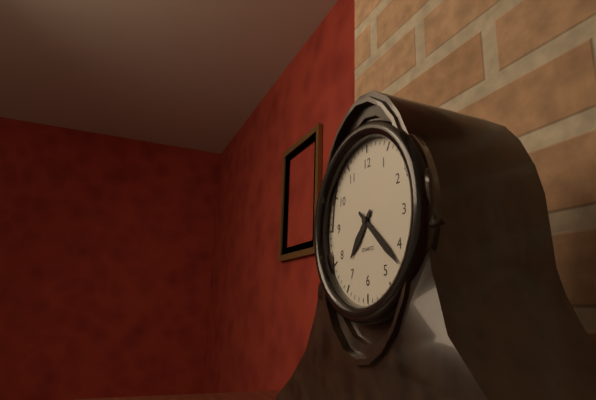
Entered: 7 h 22 min
